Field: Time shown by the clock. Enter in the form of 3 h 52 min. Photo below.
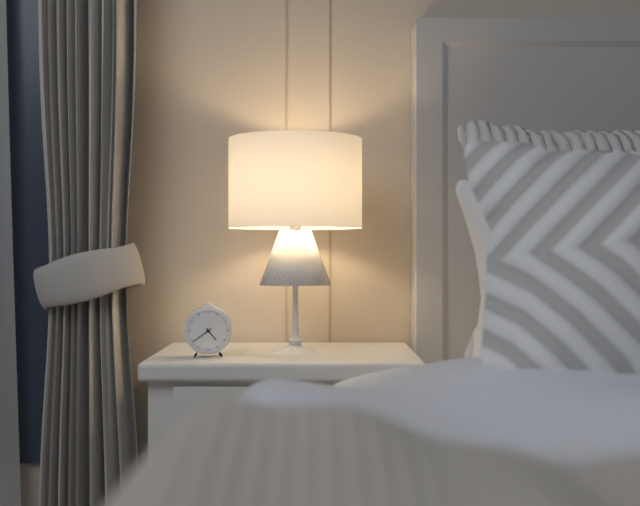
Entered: 4 h 39 min
